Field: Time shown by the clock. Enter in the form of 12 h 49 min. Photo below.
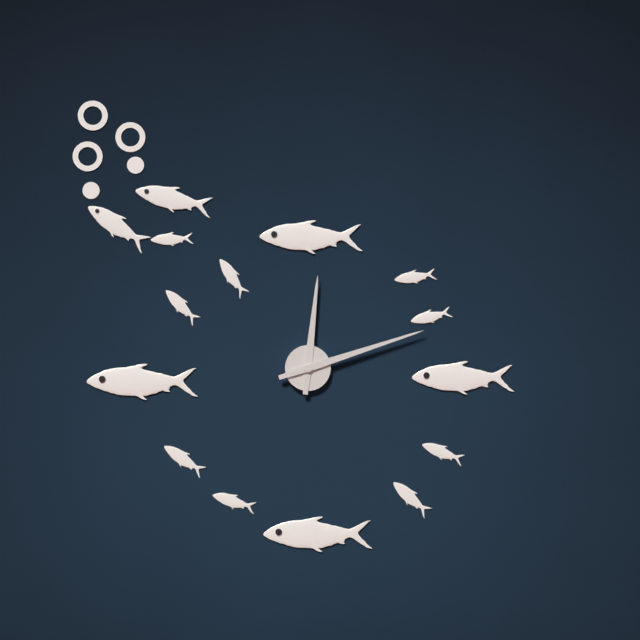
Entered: 12 h 12 min
